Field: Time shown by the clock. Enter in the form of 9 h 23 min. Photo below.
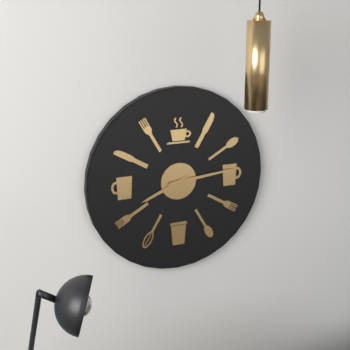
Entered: 8 h 14 min
